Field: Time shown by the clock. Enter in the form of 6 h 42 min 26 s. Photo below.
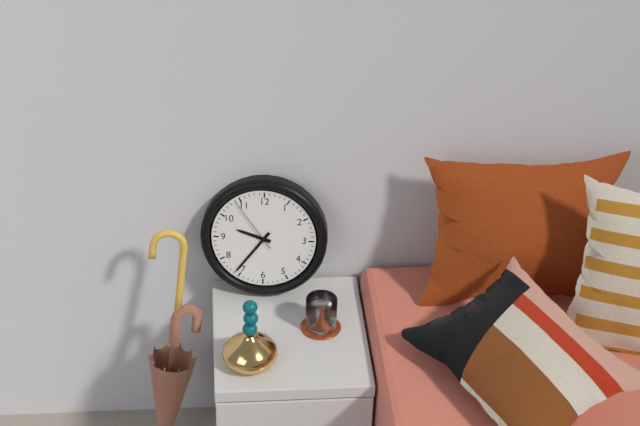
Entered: 9 h 36 min 54 s
